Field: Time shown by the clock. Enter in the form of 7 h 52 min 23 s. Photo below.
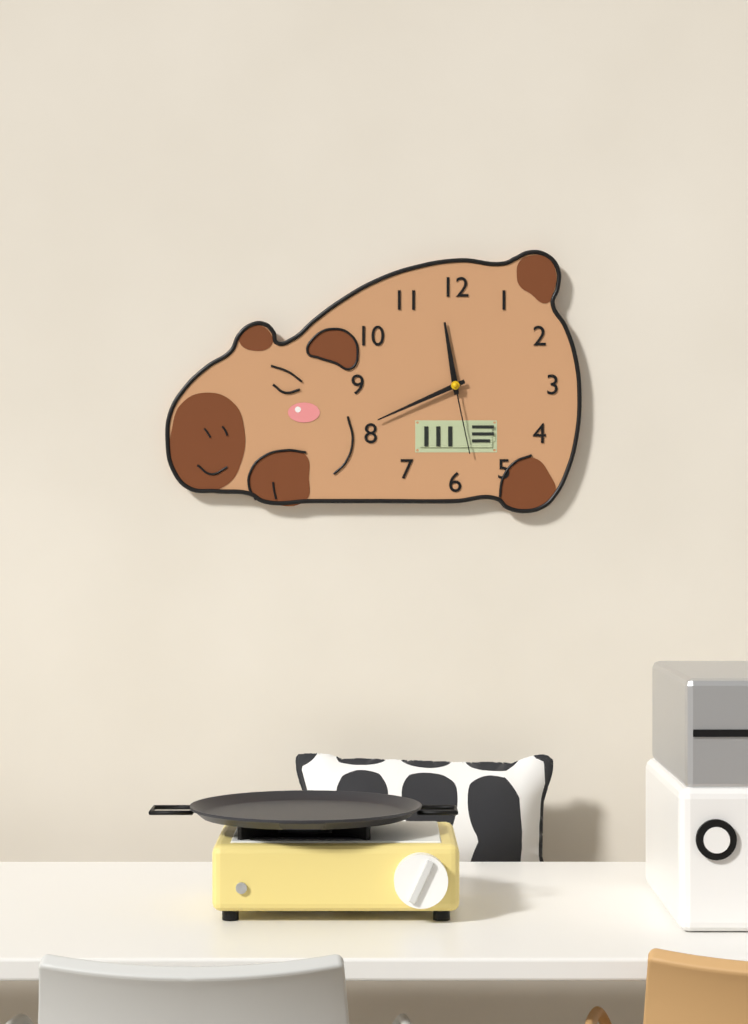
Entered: 11 h 41 min 28 s
